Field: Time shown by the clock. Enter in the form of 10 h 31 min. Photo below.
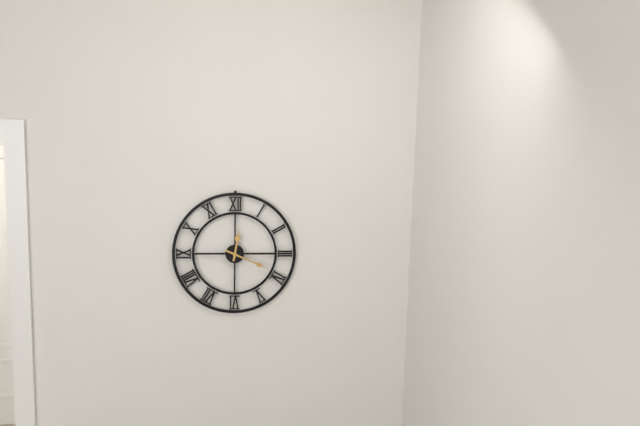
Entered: 12 h 19 min
